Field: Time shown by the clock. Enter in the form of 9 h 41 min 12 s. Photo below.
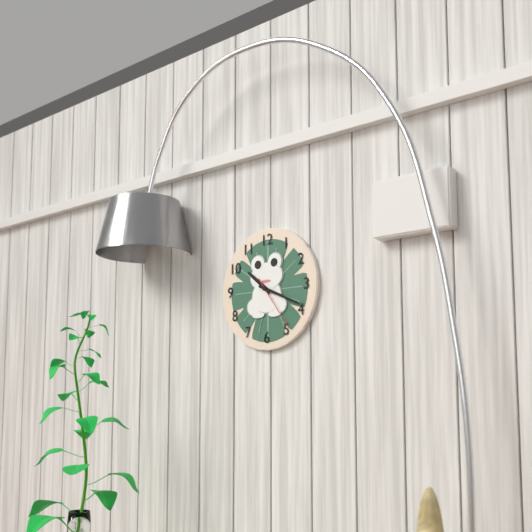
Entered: 10 h 19 min 24 s
